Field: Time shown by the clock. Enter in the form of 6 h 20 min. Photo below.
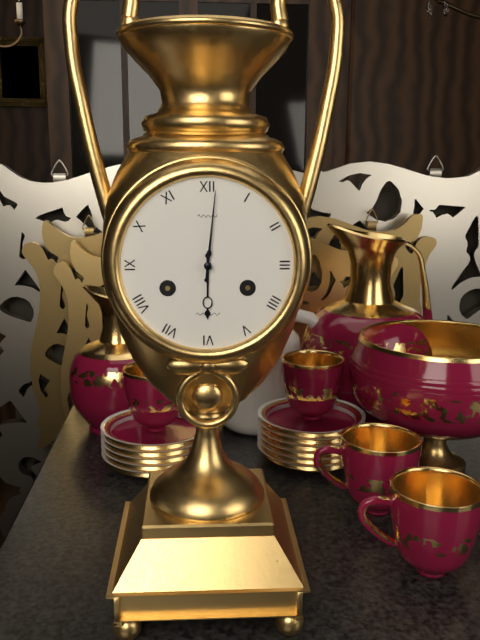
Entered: 6 h 01 min
